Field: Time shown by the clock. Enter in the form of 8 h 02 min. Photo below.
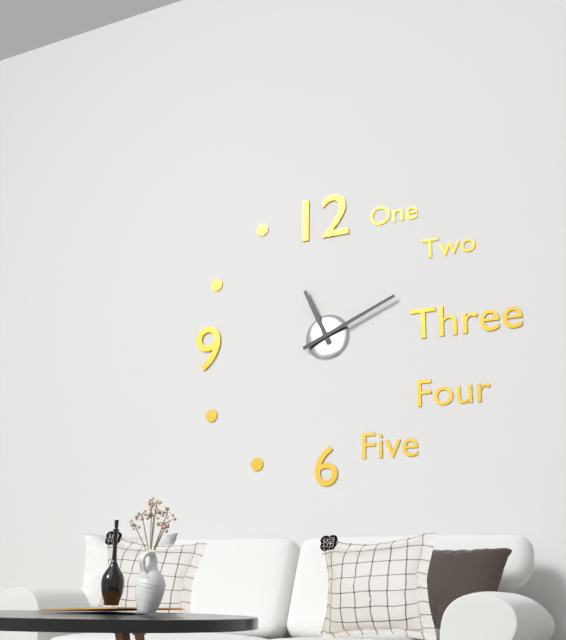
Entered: 11 h 11 min
